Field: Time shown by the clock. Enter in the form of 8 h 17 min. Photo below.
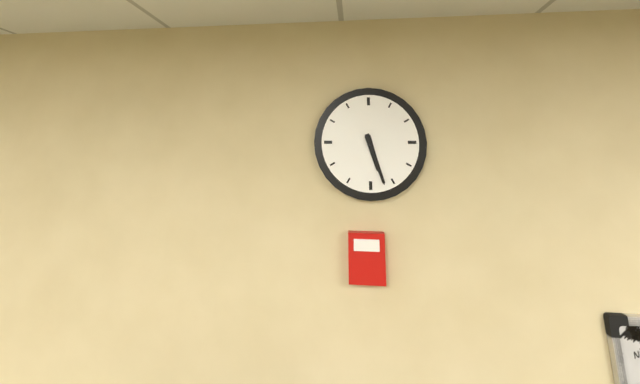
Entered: 5 h 27 min
